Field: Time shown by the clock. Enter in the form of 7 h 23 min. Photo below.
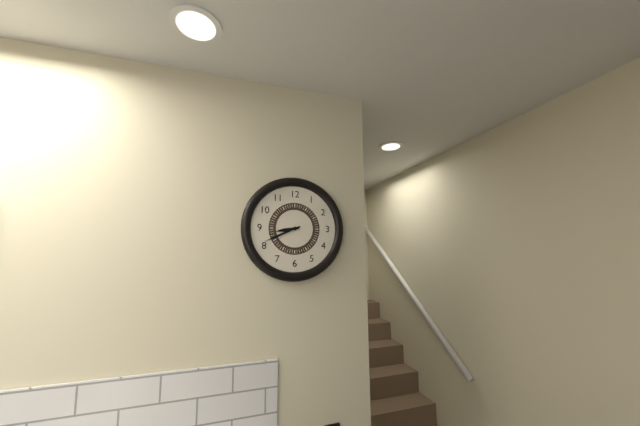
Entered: 8 h 41 min
